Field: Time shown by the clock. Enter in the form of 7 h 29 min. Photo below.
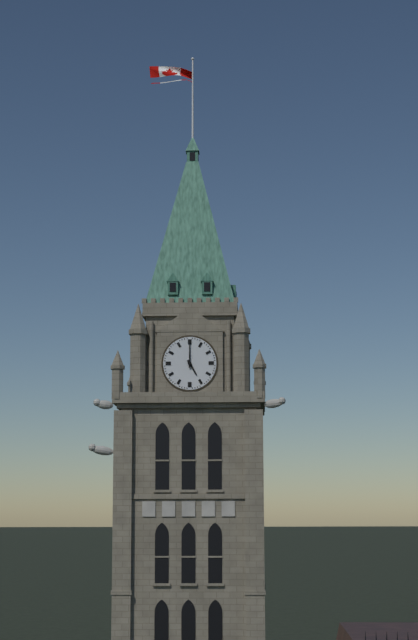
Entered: 5 h 00 min
